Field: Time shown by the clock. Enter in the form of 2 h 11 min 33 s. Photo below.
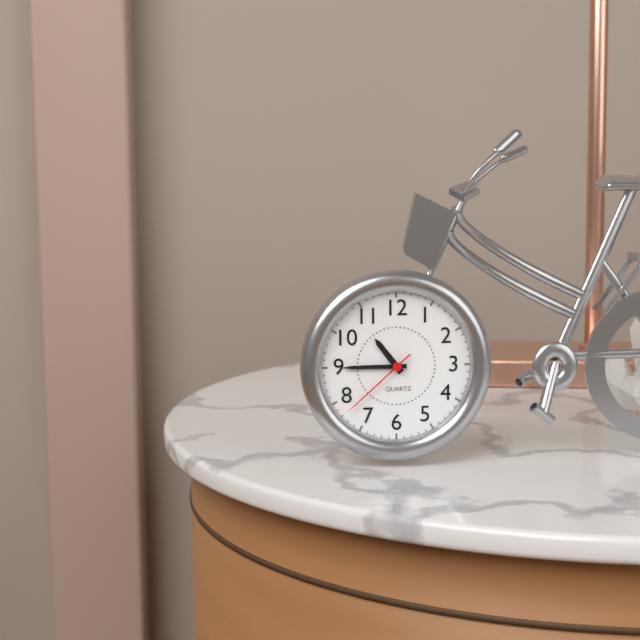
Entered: 10 h 45 min 38 s
